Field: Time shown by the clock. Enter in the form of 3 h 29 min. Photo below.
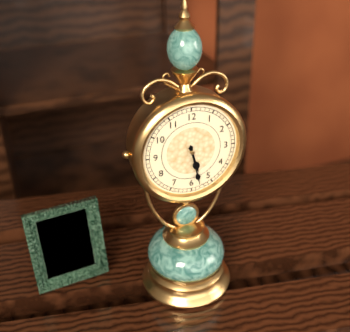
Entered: 5 h 28 min
